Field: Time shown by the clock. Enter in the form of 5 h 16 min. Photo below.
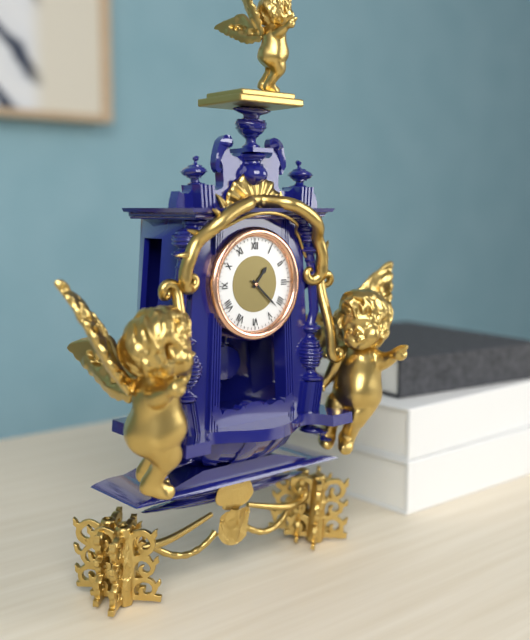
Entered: 1 h 22 min
